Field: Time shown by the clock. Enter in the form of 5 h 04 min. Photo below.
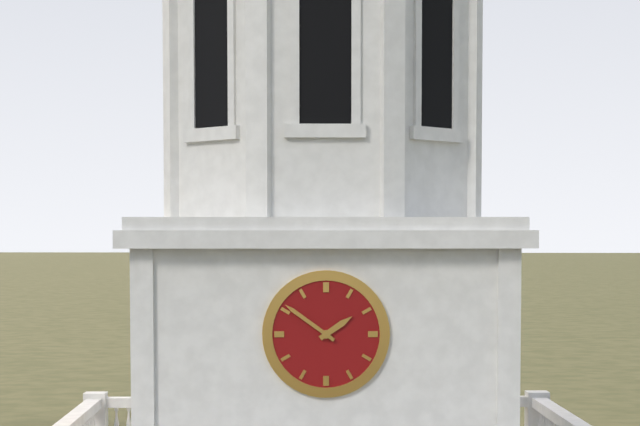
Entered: 1 h 51 min
